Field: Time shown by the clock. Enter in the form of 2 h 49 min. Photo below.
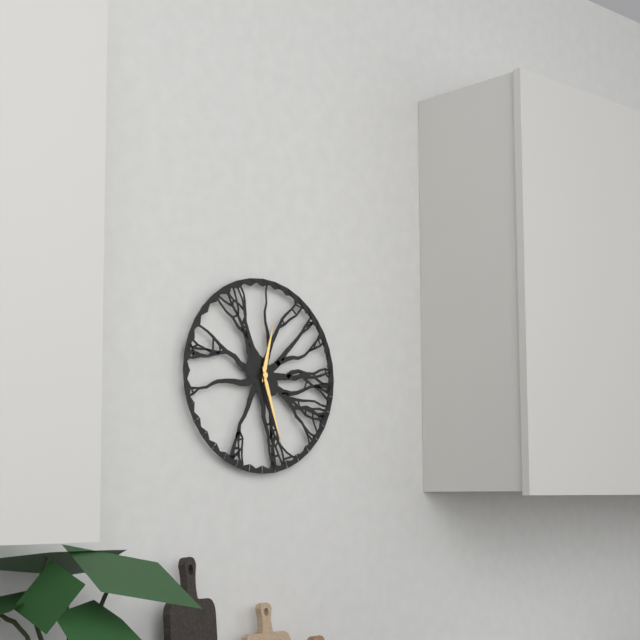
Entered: 12 h 27 min
